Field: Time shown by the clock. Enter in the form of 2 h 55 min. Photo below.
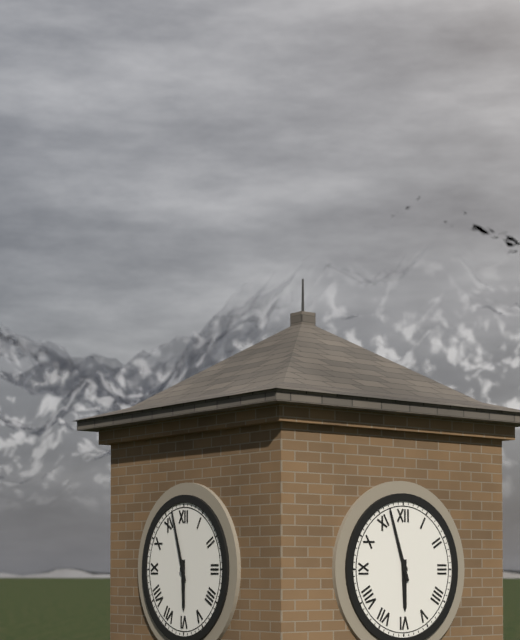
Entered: 5 h 57 min
